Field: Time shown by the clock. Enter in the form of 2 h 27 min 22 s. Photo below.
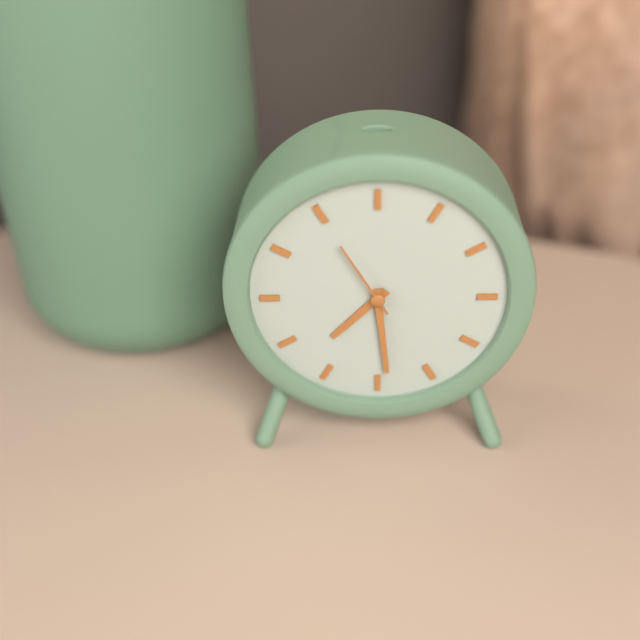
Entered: 7 h 29 min 55 s
